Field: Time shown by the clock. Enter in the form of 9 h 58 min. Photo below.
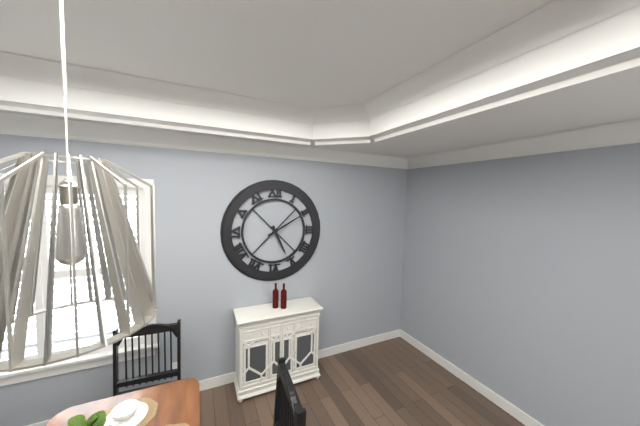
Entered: 5 h 10 min
